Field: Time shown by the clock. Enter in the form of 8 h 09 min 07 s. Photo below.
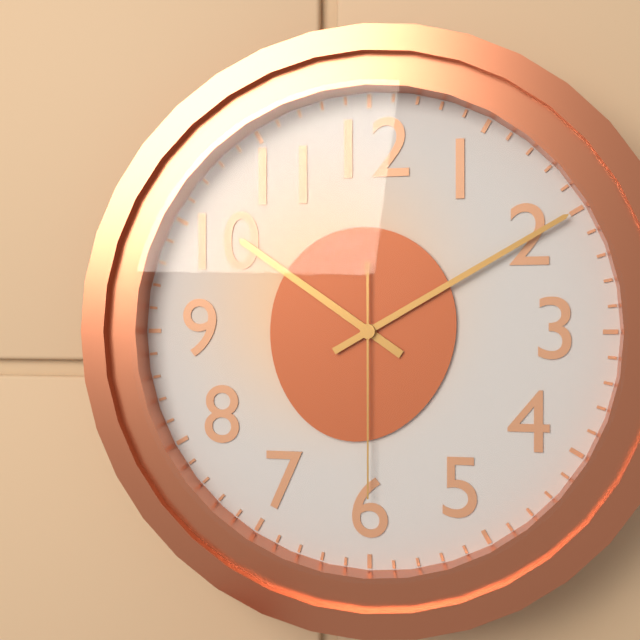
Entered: 10 h 10 min 30 s
